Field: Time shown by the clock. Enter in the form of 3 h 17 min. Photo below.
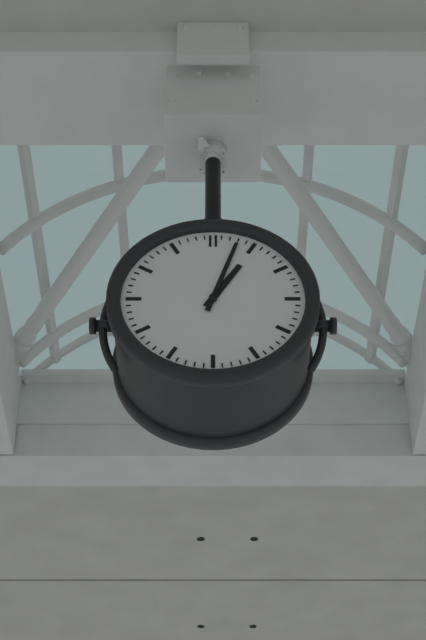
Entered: 1 h 03 min
